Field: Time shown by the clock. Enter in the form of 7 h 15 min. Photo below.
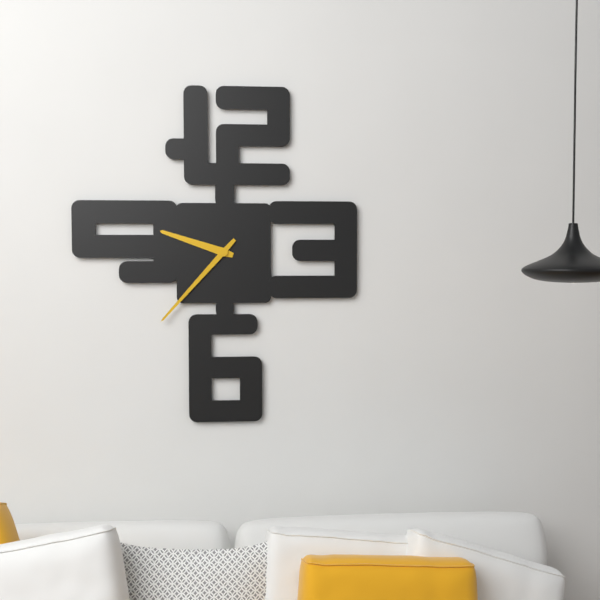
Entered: 9 h 37 min
